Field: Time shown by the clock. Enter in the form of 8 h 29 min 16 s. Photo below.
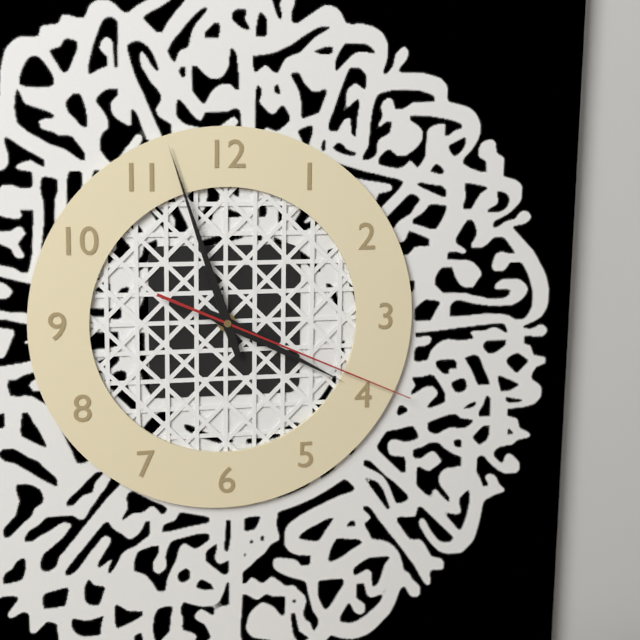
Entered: 3 h 57 min 19 s
